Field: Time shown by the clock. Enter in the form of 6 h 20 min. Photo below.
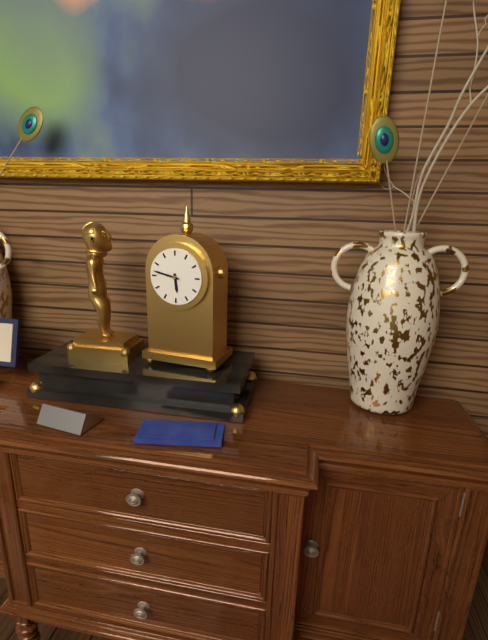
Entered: 5 h 47 min
